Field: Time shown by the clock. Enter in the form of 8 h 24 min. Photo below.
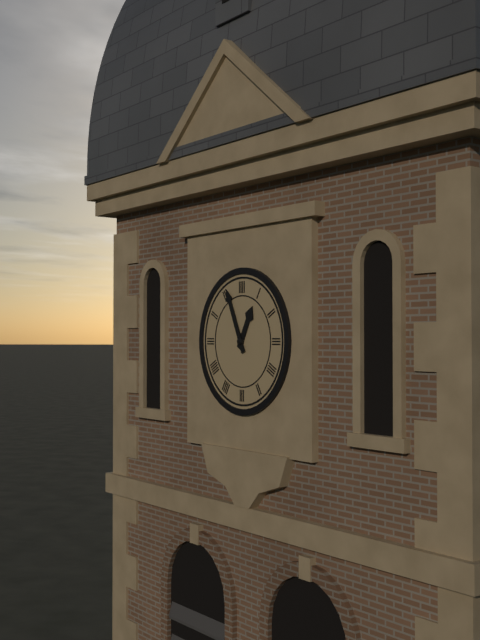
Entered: 12 h 56 min
